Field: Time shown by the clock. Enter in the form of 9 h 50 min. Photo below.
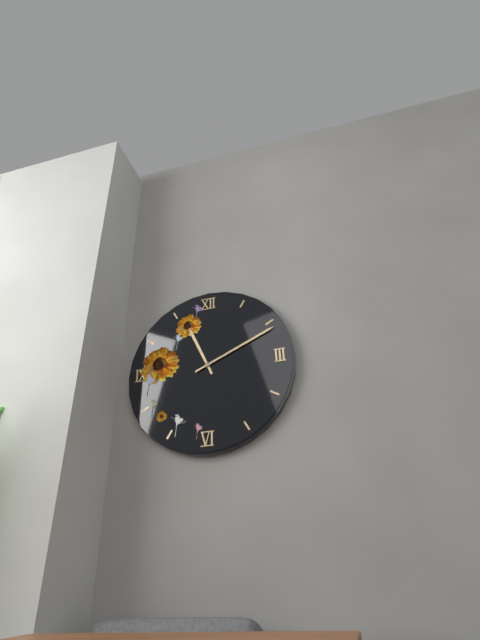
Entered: 11 h 11 min
